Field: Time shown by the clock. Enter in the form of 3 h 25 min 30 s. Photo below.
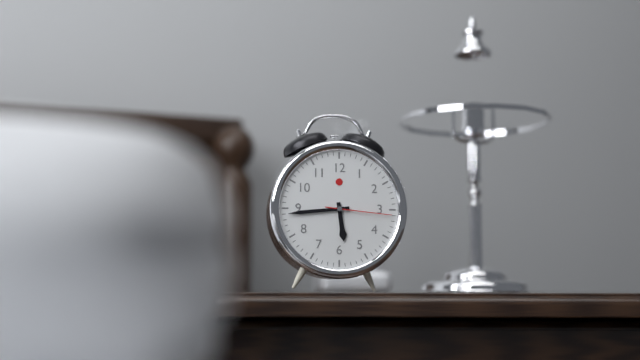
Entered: 5 h 44 min 16 s
